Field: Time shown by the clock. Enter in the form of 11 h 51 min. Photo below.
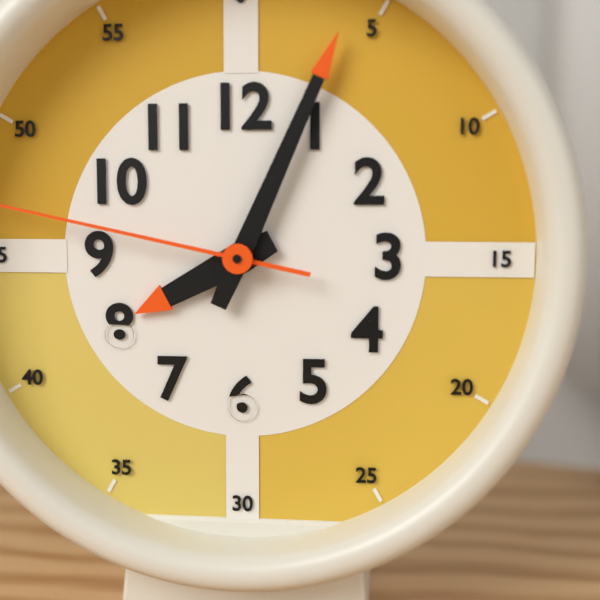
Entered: 8 h 04 min
